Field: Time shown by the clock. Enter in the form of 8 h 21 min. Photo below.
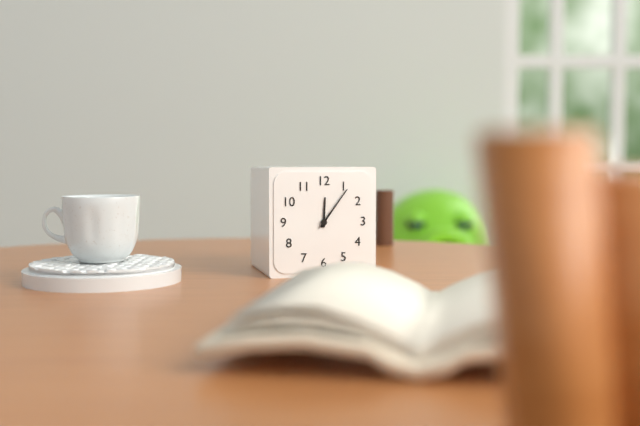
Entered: 12 h 06 min
